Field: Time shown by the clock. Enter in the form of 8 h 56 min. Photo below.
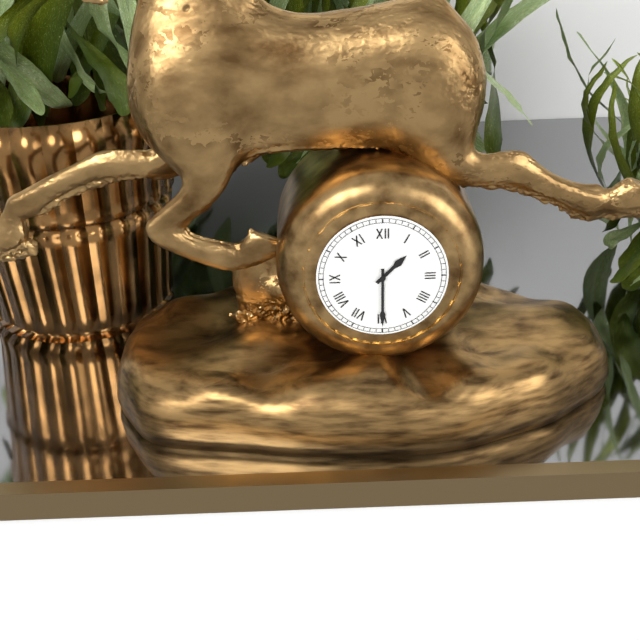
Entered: 1 h 30 min
